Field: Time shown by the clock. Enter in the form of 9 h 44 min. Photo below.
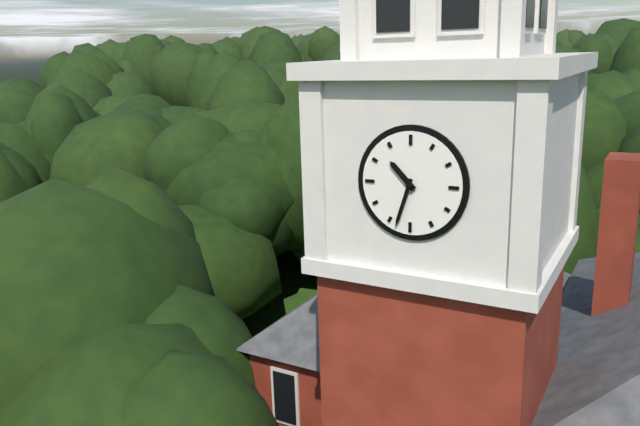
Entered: 10 h 33 min
